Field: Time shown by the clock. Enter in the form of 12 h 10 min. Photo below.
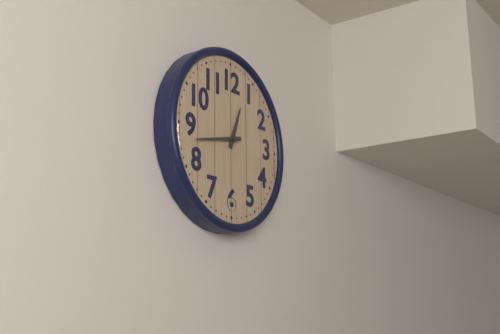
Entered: 12 h 43 min
